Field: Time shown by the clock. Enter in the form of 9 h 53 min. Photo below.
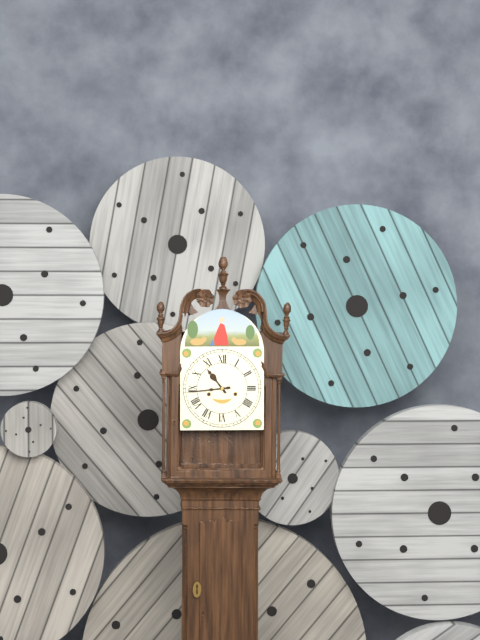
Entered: 10 h 44 min
